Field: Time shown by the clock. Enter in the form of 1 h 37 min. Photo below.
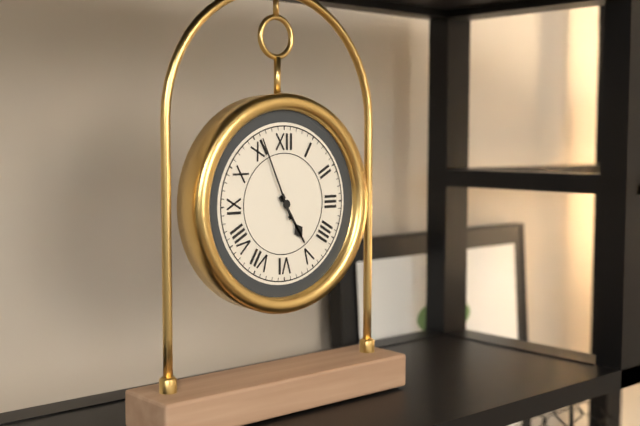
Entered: 4 h 56 min
